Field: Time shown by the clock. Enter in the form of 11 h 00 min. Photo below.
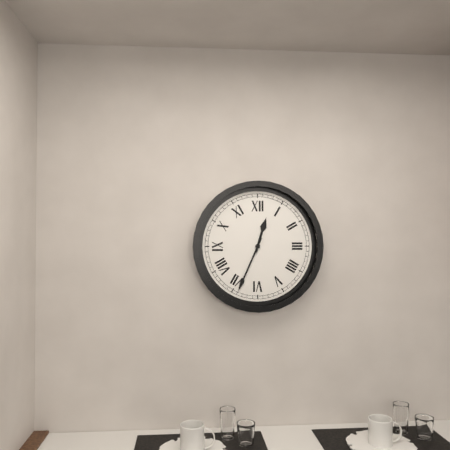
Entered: 12 h 34 min
